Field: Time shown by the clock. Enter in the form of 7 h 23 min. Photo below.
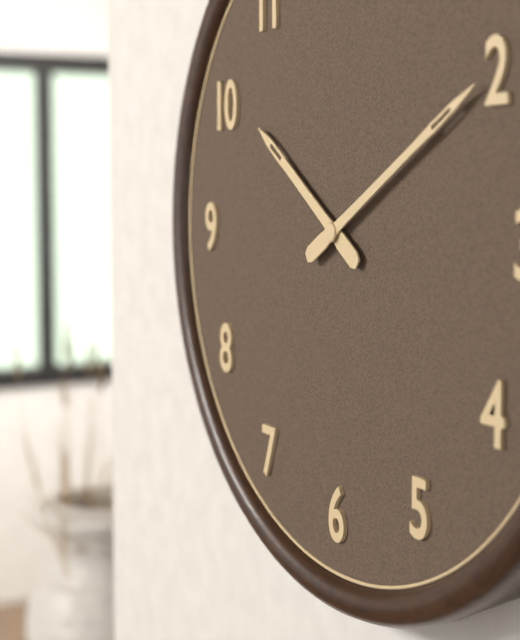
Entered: 10 h 10 min
